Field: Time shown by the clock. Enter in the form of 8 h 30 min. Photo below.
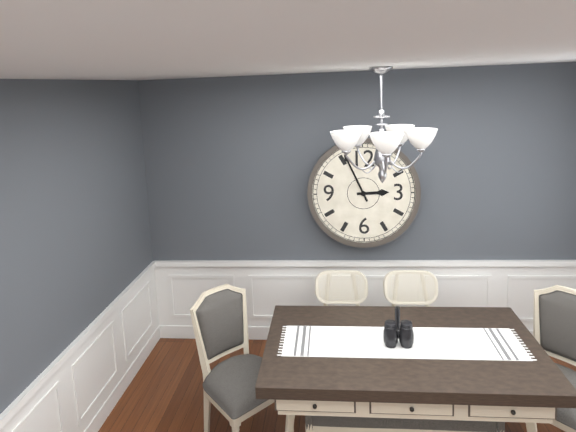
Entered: 2 h 56 min
